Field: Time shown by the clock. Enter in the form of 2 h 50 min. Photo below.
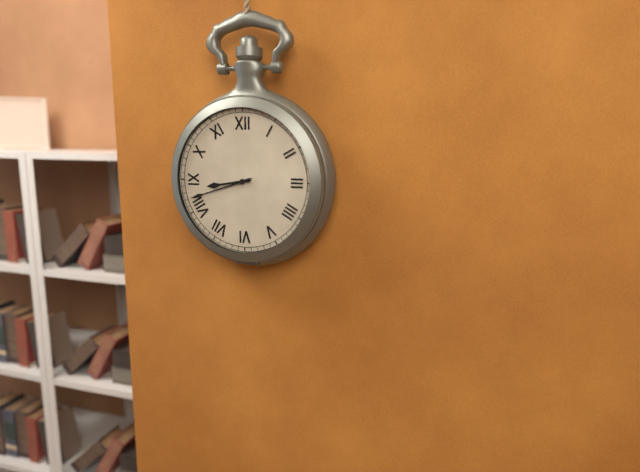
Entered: 8 h 42 min
